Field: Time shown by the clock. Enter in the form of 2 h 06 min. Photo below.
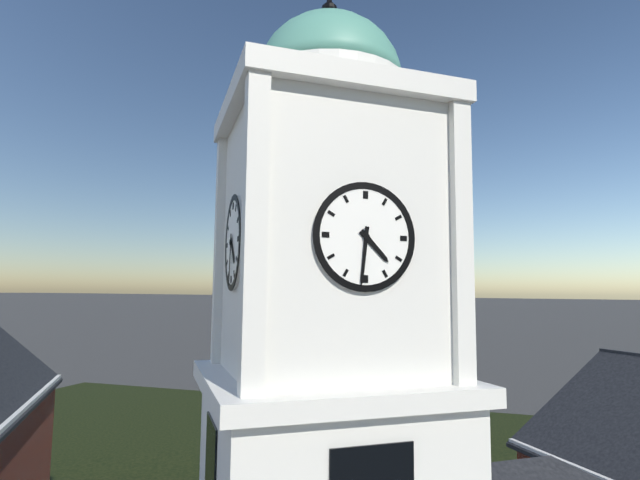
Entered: 4 h 31 min
